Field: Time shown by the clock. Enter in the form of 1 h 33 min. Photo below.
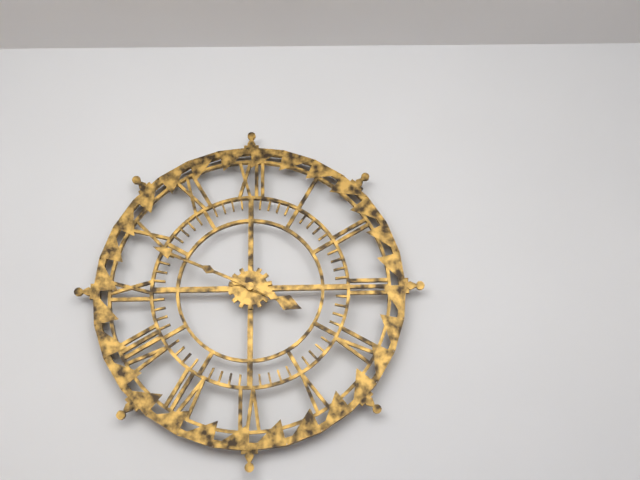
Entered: 3 h 49 min
